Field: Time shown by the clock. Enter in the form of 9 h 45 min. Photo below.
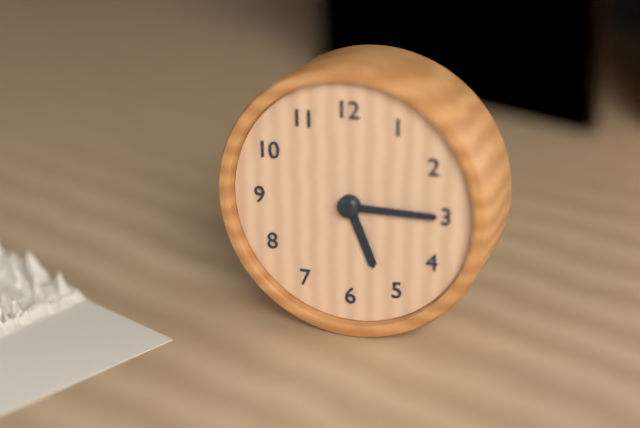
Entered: 5 h 15 min
